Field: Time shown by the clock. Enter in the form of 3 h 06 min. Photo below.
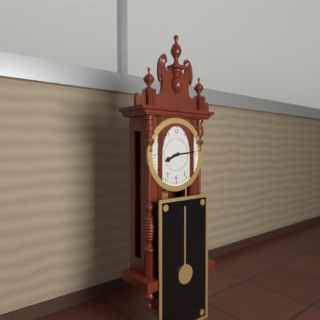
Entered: 8 h 14 min
